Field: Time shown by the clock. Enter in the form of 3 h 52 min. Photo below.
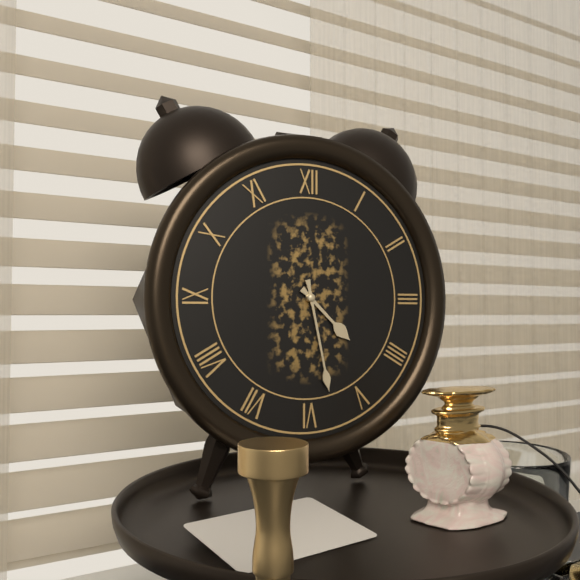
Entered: 4 h 28 min
